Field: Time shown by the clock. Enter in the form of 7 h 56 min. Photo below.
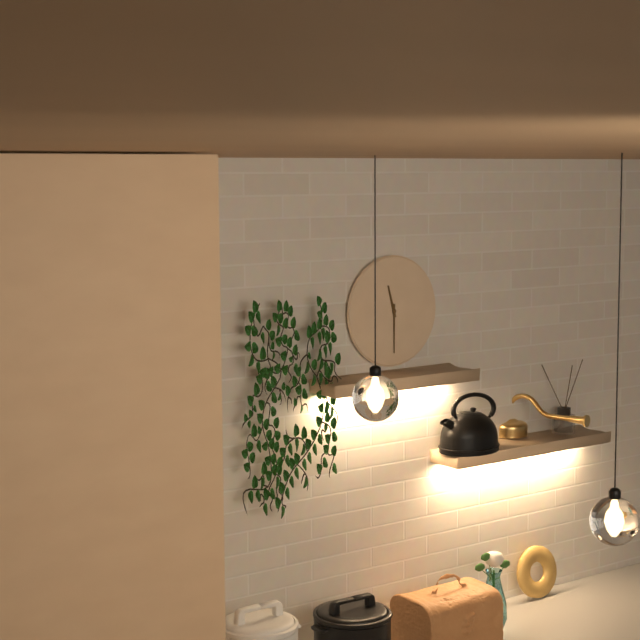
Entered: 11 h 30 min
